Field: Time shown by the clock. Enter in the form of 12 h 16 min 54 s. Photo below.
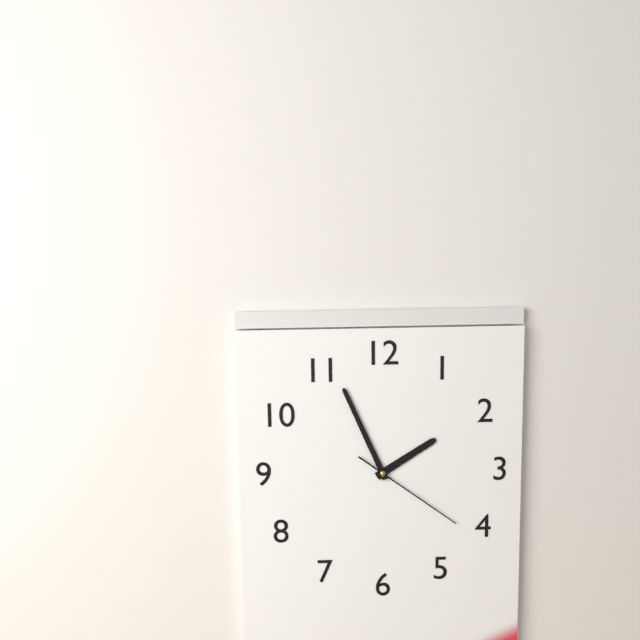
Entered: 1 h 56 min 21 s
